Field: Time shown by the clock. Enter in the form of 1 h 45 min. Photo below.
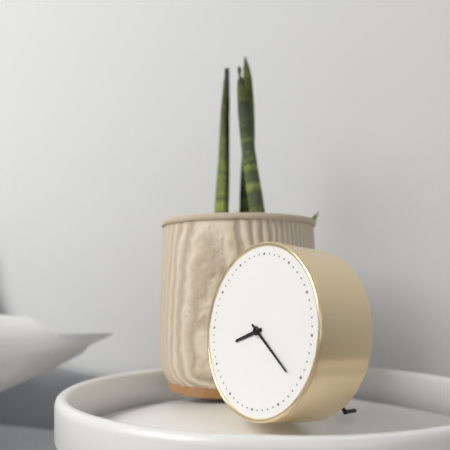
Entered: 8 h 21 min
